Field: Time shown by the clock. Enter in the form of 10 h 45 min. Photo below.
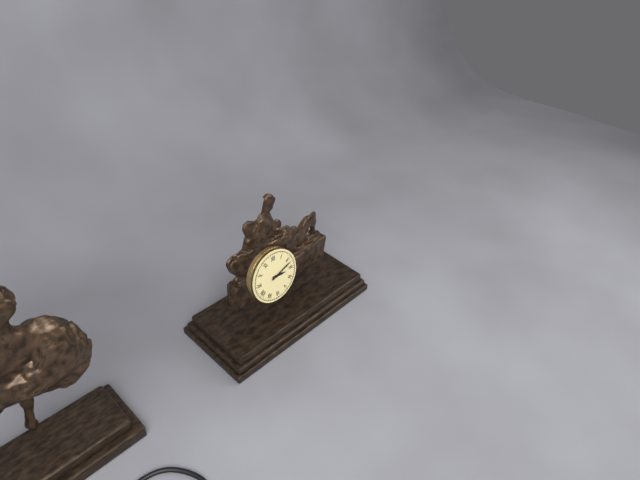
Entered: 3 h 12 min
